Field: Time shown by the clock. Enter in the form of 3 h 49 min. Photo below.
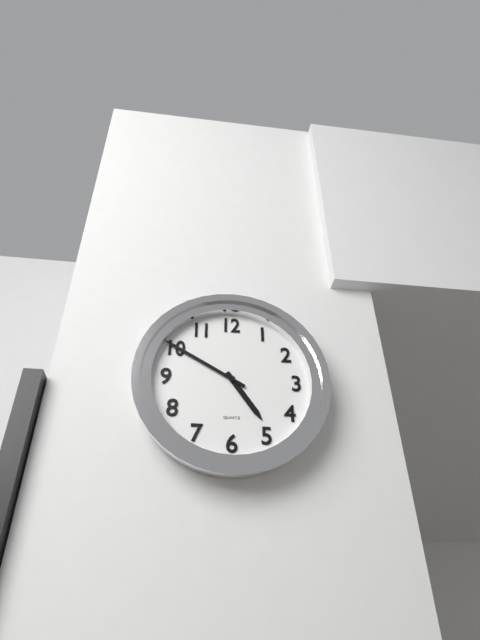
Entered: 4 h 50 min
